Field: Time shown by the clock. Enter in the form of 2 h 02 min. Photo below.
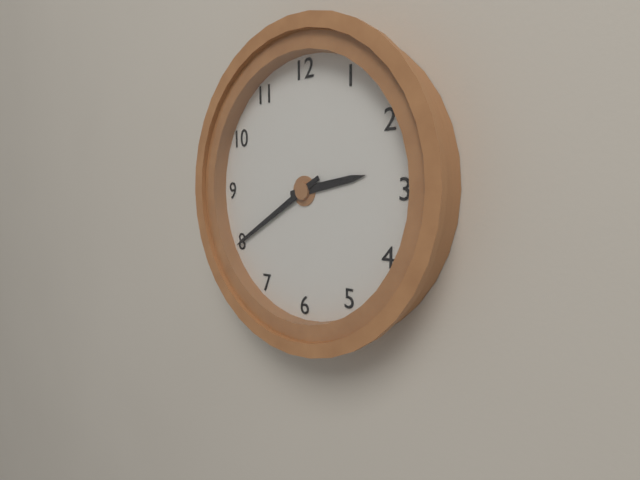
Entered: 2 h 40 min
